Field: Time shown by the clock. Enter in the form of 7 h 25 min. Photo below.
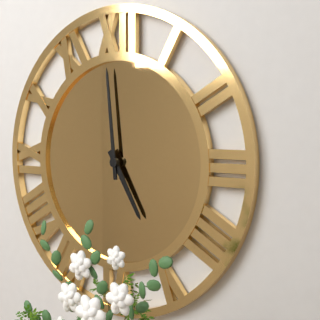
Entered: 4 h 59 min
